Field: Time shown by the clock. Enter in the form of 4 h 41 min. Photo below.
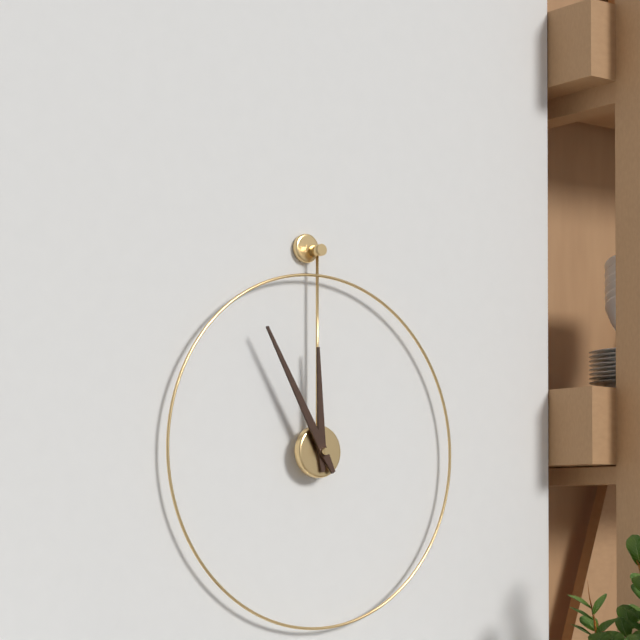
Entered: 11 h 55 min
